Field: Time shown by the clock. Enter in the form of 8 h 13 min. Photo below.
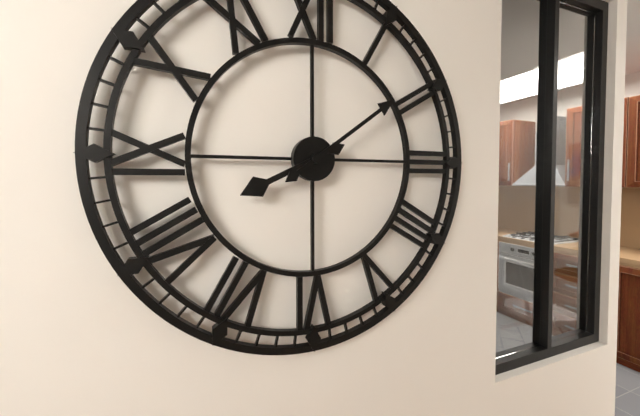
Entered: 8 h 09 min
